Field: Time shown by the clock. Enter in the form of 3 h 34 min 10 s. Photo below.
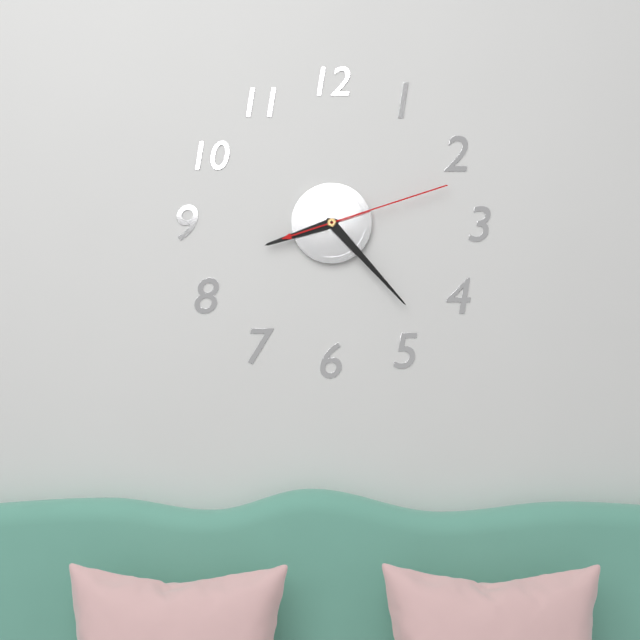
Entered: 8 h 23 min 12 s
